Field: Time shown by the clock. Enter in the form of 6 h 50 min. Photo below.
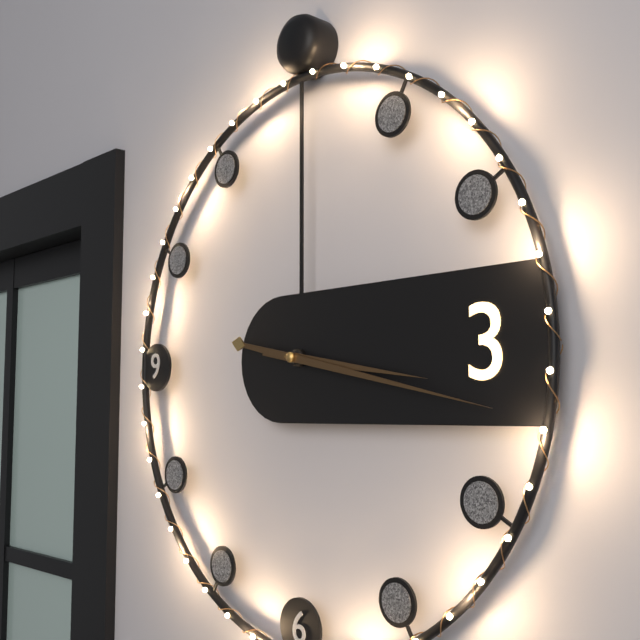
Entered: 3 h 17 min
